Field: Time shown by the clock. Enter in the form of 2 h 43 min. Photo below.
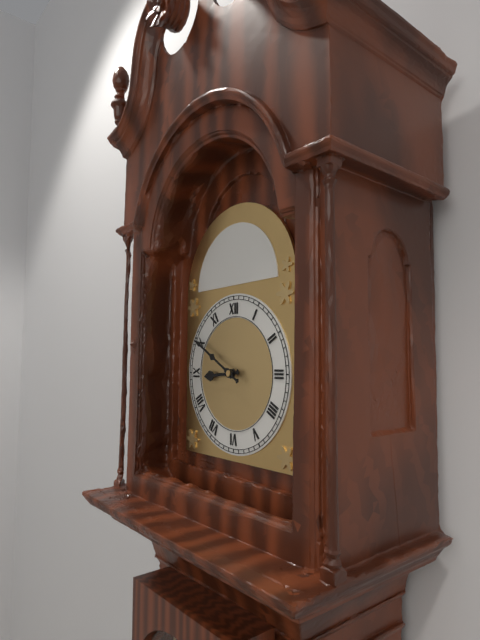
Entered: 8 h 50 min
